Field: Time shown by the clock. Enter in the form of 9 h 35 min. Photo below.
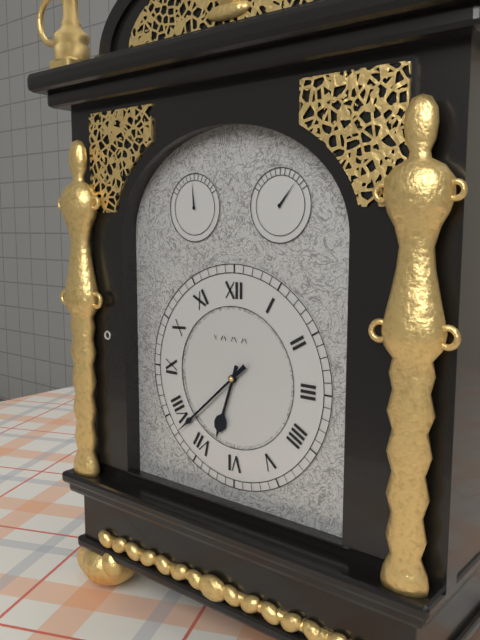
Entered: 6 h 38 min
